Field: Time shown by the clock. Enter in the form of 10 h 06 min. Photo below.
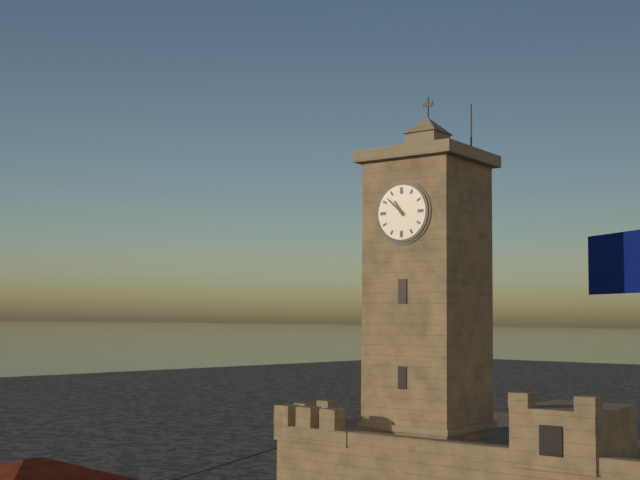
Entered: 10 h 52 min
